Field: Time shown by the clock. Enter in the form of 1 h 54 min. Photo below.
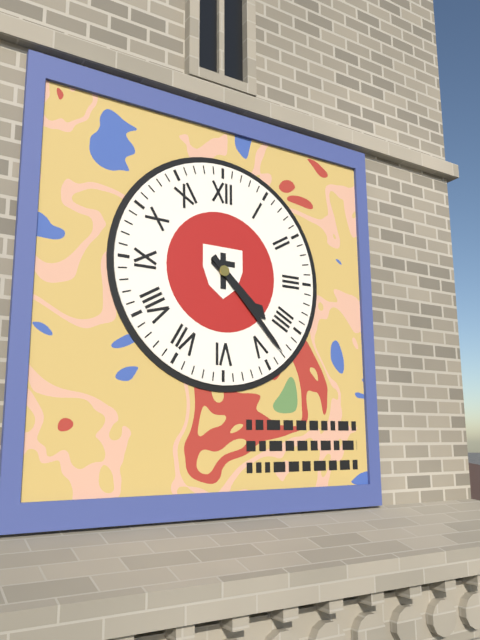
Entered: 4 h 23 min
